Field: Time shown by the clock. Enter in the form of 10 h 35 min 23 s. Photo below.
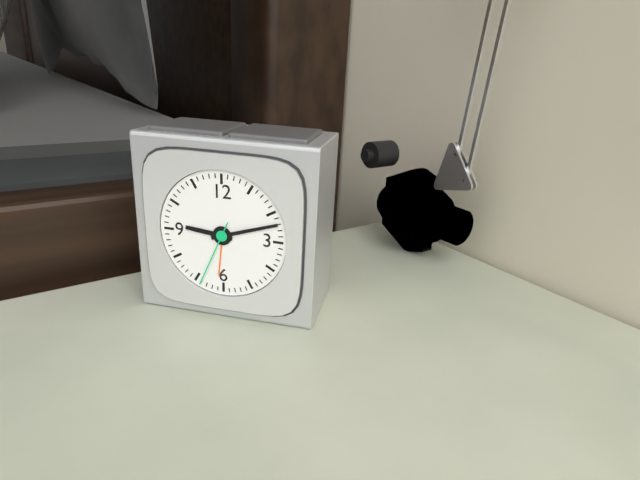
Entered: 9 h 12 min 34 s
